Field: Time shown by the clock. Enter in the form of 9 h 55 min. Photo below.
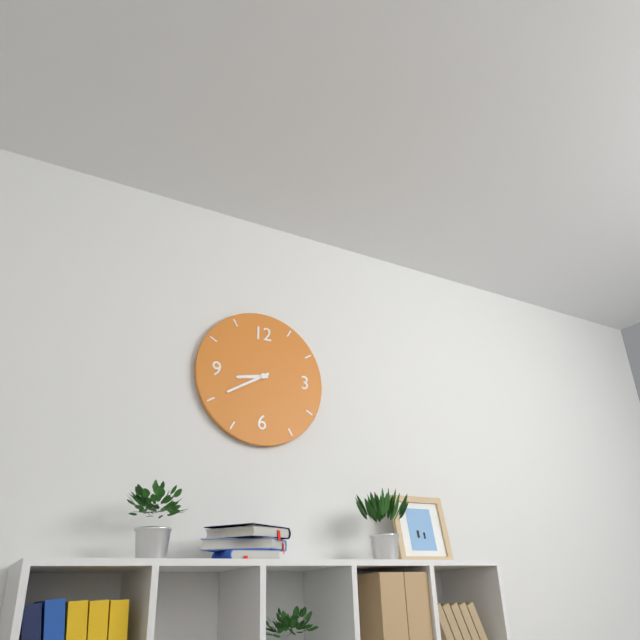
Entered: 8 h 40 min
